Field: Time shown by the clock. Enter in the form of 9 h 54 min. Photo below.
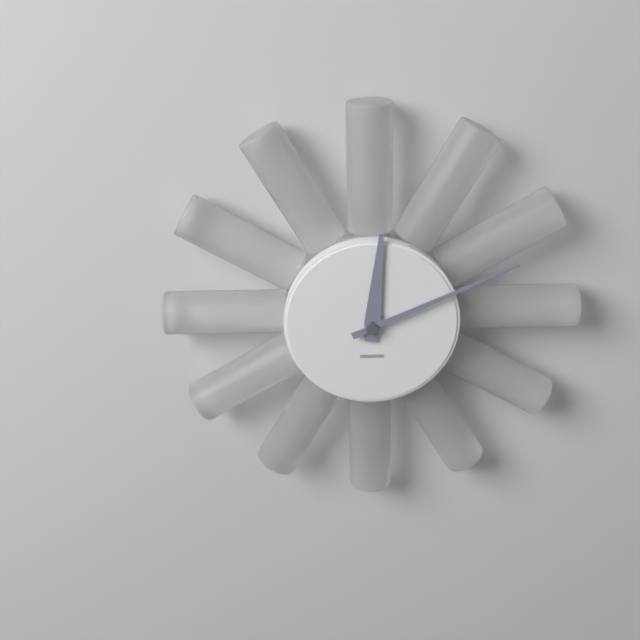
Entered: 12 h 11 min
